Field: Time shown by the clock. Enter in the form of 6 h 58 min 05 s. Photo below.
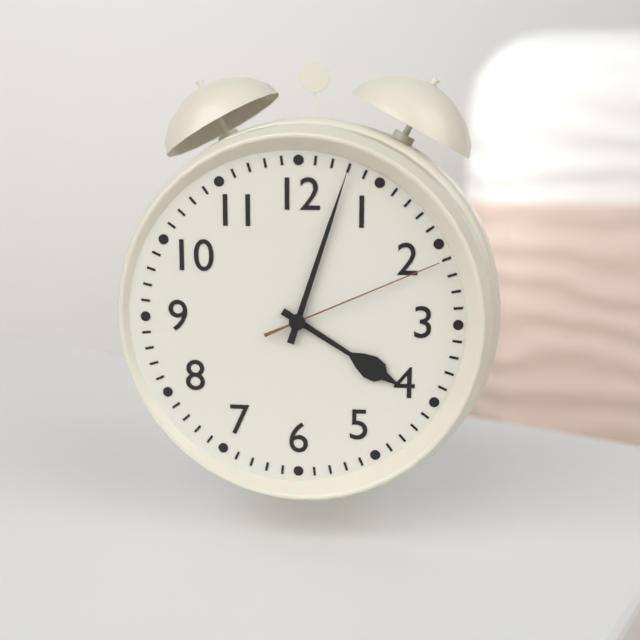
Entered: 4 h 03 min 11 s
